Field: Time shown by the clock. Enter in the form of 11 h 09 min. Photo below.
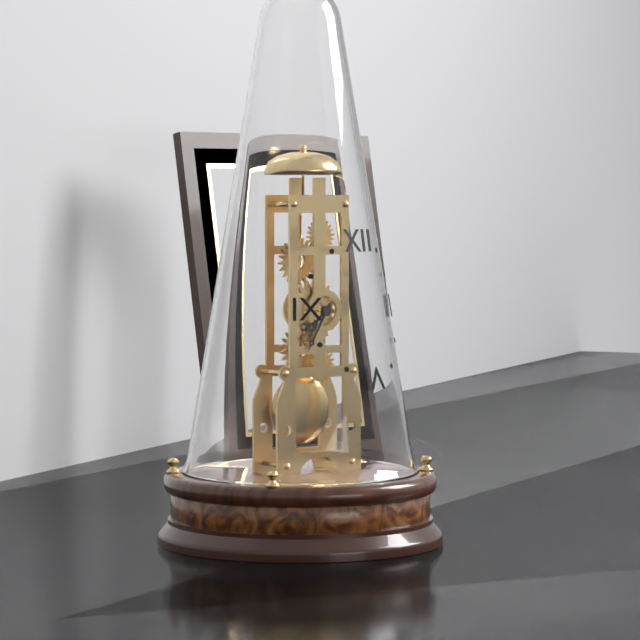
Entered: 7 h 35 min
